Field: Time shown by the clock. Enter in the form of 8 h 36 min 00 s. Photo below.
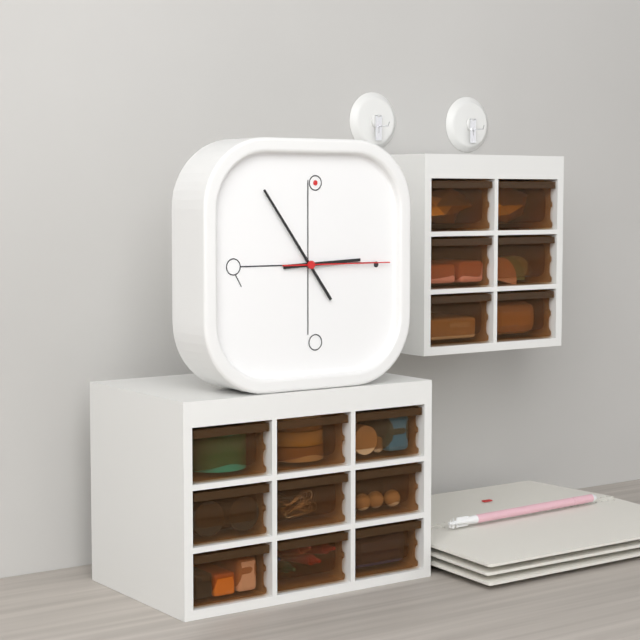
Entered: 2 h 54 min 15 s
